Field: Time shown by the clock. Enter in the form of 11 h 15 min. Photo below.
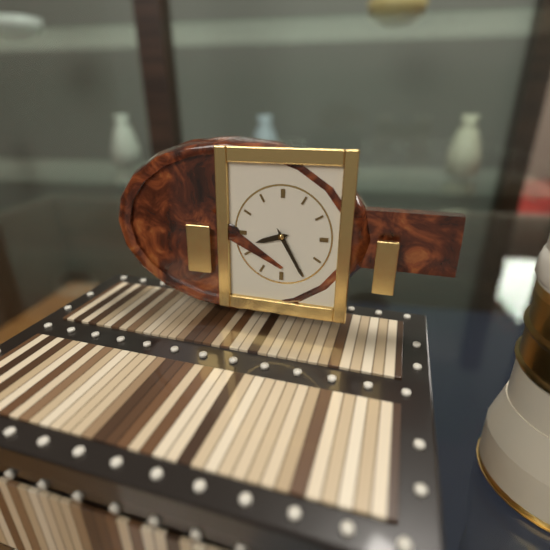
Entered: 8 h 25 min
